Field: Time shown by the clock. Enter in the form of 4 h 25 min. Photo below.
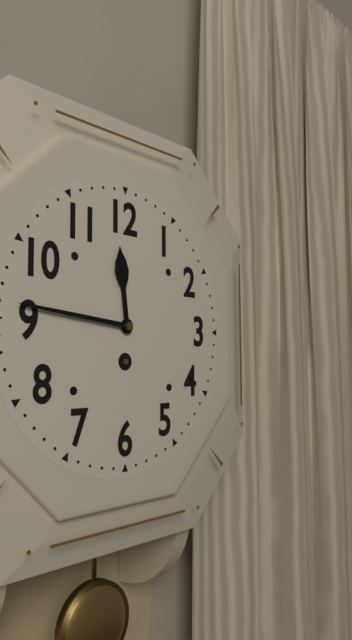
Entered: 11 h 46 min
